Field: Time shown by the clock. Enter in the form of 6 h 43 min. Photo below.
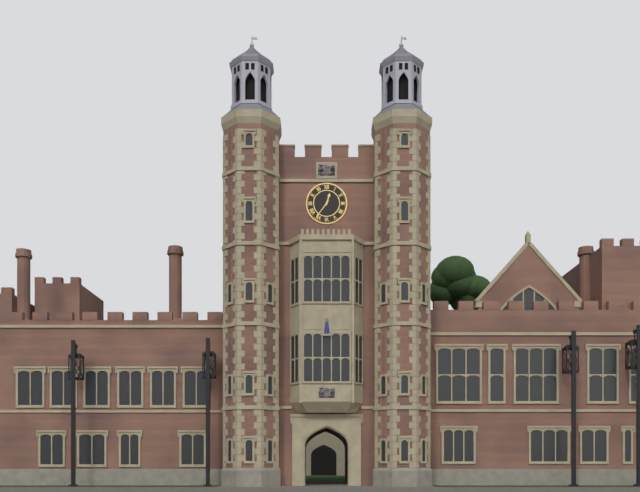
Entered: 12 h 36 min
